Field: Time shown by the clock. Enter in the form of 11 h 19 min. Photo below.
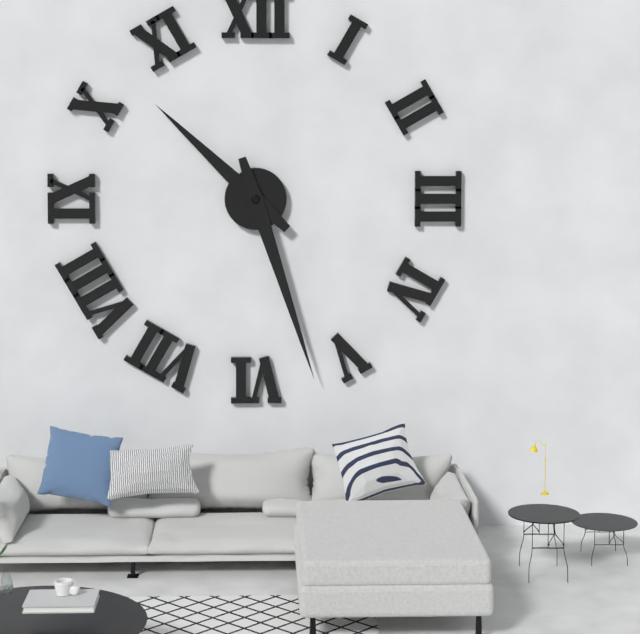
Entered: 10 h 27 min
